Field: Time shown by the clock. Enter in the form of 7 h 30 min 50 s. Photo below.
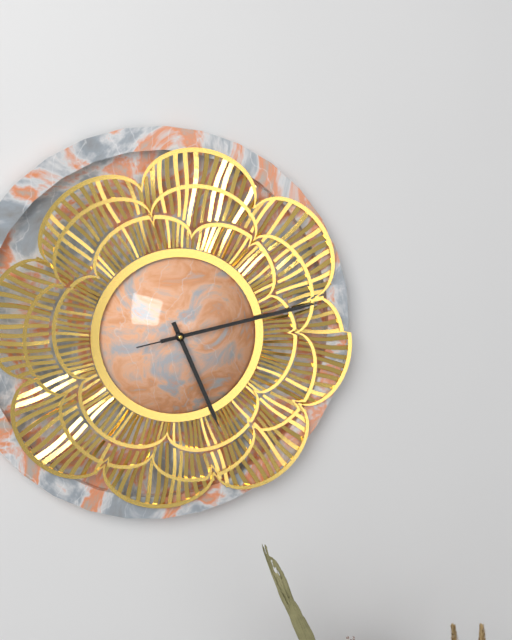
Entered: 5 h 13 min 13 s
